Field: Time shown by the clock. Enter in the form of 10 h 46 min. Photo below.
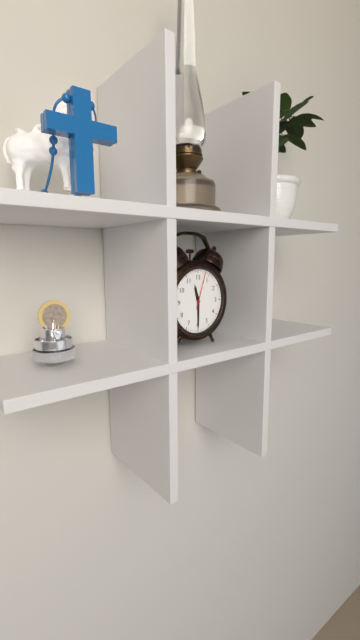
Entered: 11 h 30 min
